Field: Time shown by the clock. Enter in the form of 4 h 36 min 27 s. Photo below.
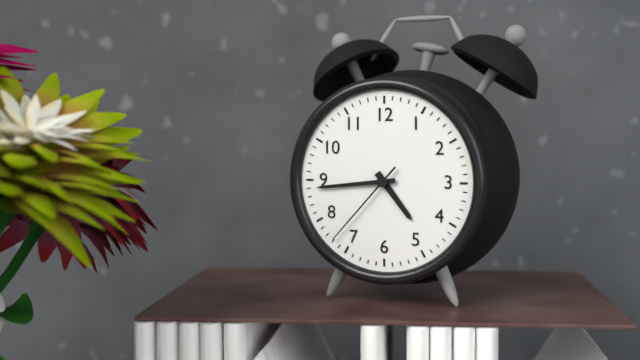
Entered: 4 h 44 min 37 s
